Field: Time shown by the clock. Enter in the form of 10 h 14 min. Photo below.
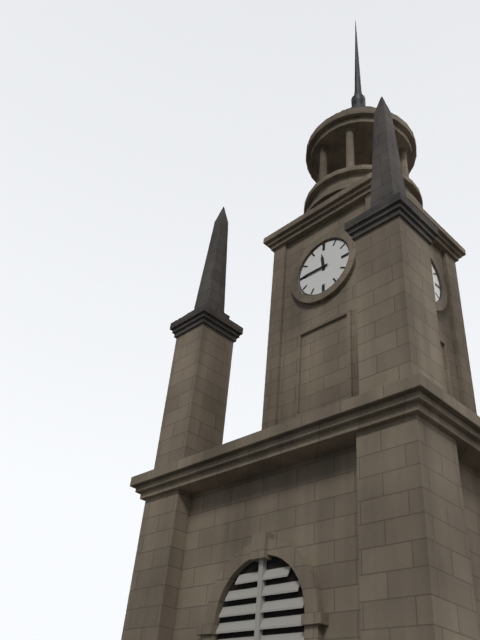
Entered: 11 h 45 min
